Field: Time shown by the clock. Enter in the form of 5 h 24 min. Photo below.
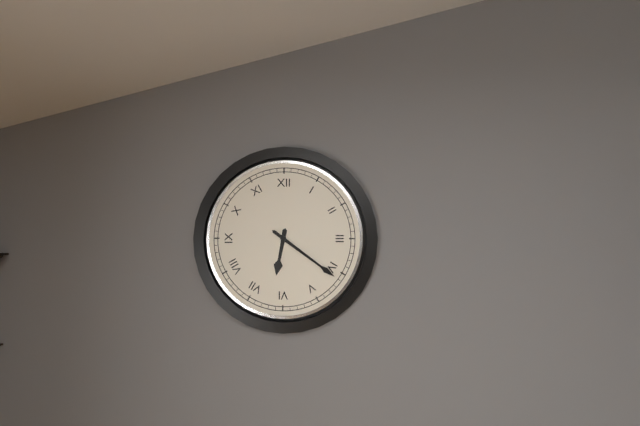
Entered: 6 h 21 min
